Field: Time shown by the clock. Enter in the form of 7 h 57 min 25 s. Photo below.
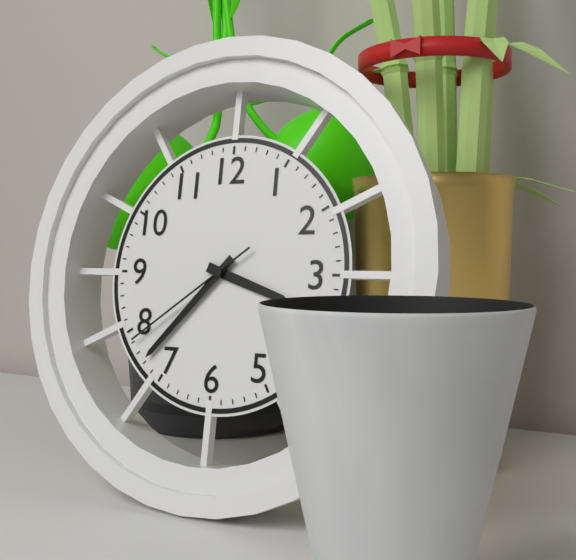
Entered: 3 h 37 min 39 s
